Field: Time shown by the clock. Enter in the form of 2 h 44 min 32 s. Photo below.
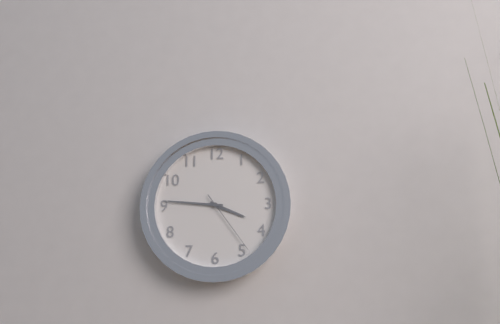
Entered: 3 h 46 min 24 s
